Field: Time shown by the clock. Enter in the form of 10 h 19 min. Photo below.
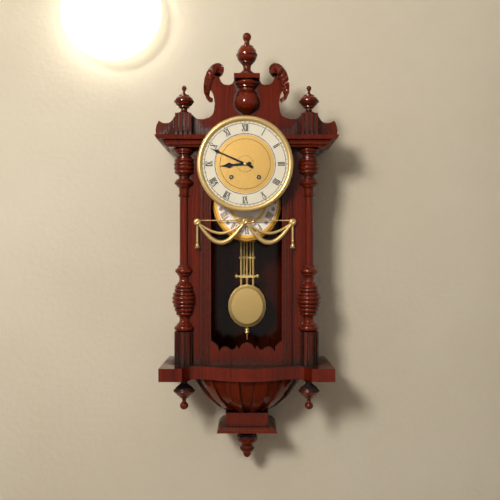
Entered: 8 h 49 min
